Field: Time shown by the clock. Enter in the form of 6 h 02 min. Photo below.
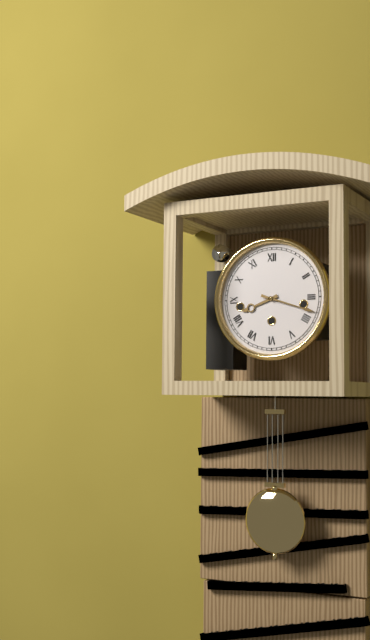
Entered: 8 h 18 min
